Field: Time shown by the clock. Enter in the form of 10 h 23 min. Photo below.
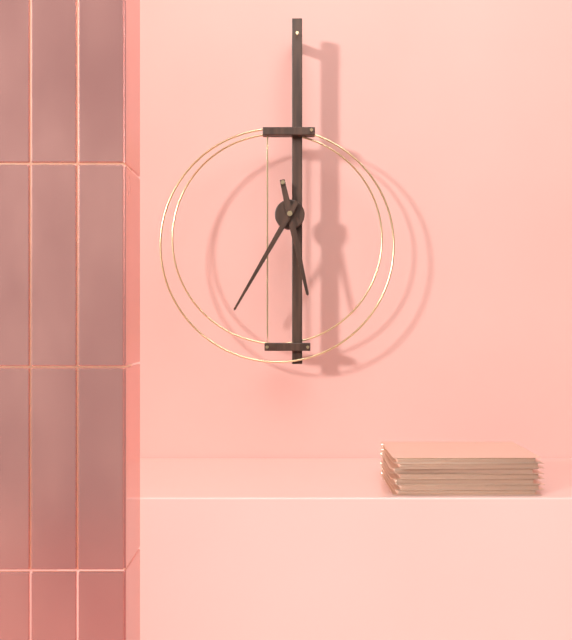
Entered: 5 h 35 min
